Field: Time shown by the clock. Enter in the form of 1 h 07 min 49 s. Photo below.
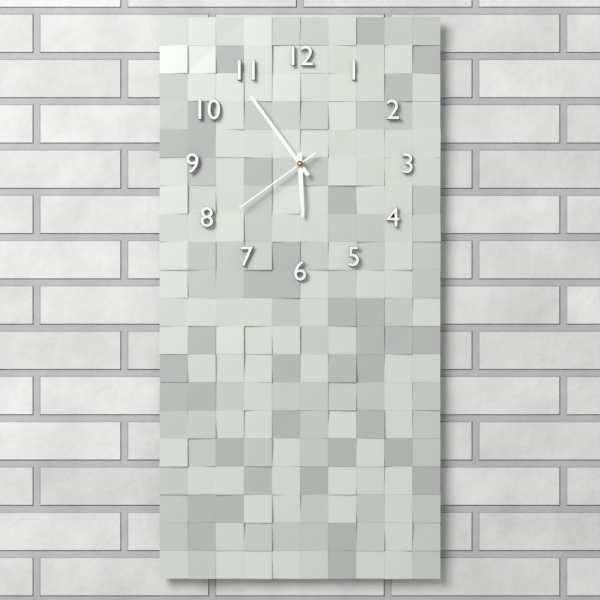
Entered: 5 h 54 min 39 s
